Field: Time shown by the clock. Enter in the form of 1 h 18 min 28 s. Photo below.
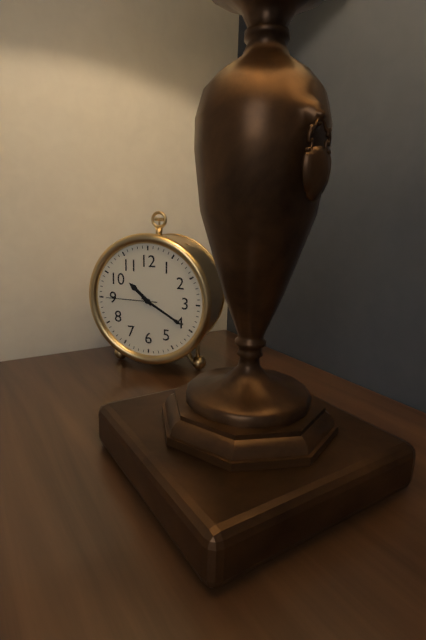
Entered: 10 h 20 min 45 s
